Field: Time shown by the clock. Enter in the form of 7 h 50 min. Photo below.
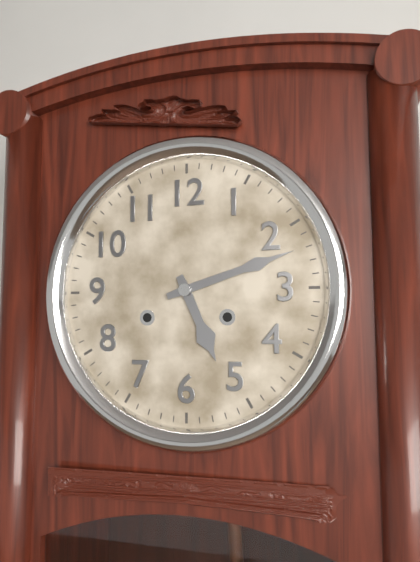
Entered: 5 h 12 min
